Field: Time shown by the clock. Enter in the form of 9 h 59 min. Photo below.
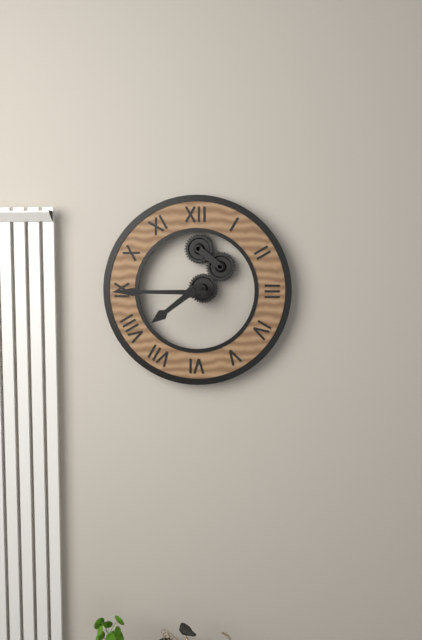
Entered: 7 h 45 min
